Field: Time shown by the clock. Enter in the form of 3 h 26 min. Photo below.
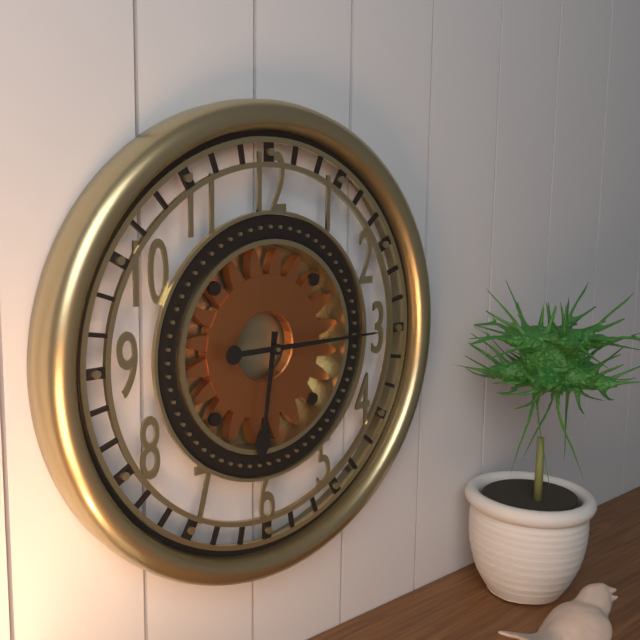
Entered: 6 h 15 min
